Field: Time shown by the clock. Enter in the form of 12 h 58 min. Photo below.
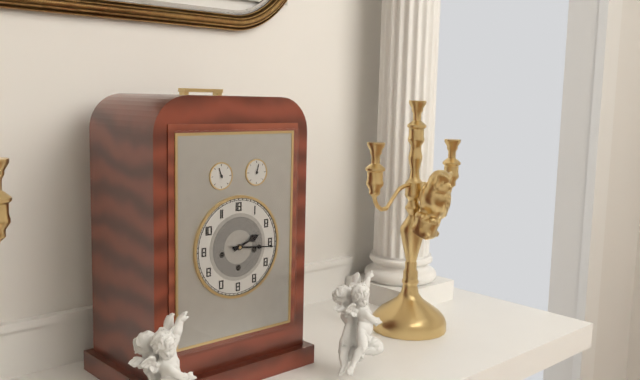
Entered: 2 h 16 min
